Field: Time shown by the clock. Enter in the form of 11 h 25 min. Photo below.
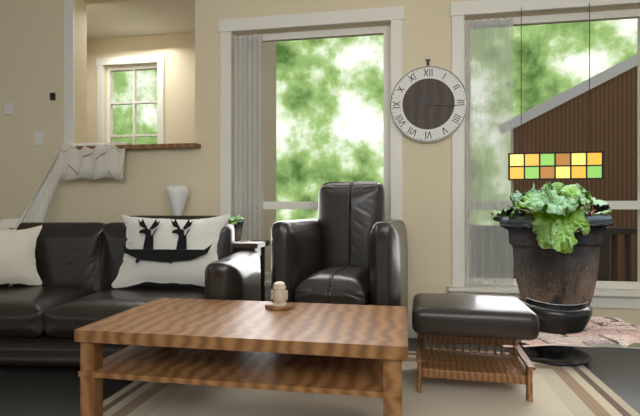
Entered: 12 h 16 min
